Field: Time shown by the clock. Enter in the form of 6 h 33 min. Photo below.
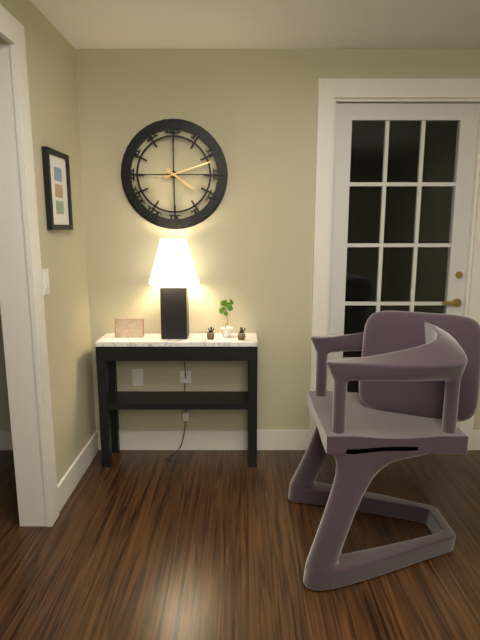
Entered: 4 h 12 min
